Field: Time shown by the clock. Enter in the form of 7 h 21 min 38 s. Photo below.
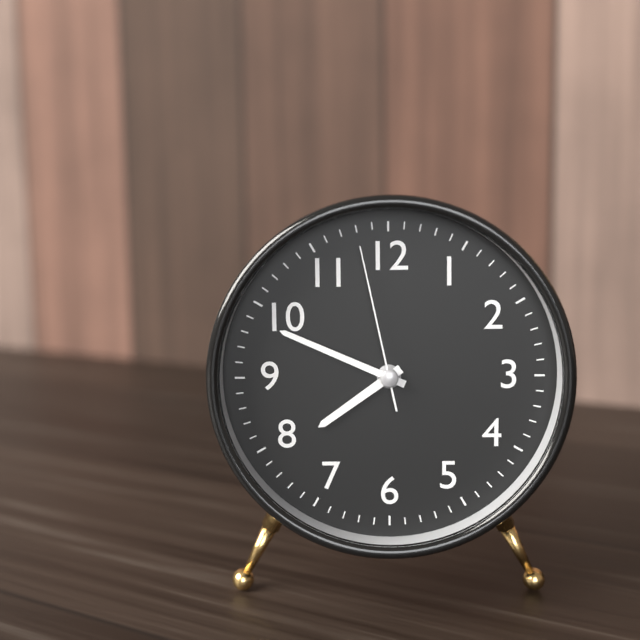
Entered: 7 h 49 min 58 s
